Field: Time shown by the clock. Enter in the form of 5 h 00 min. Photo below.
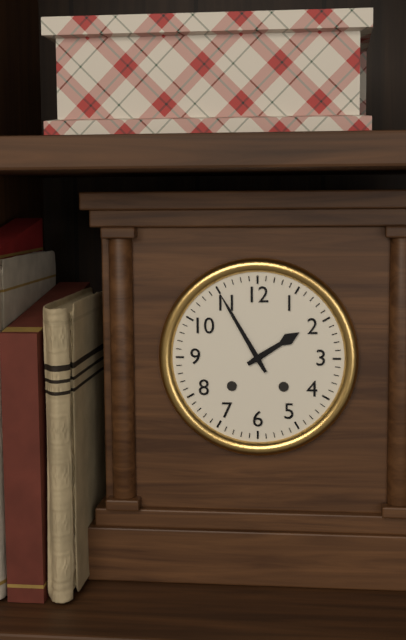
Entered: 1 h 55 min
